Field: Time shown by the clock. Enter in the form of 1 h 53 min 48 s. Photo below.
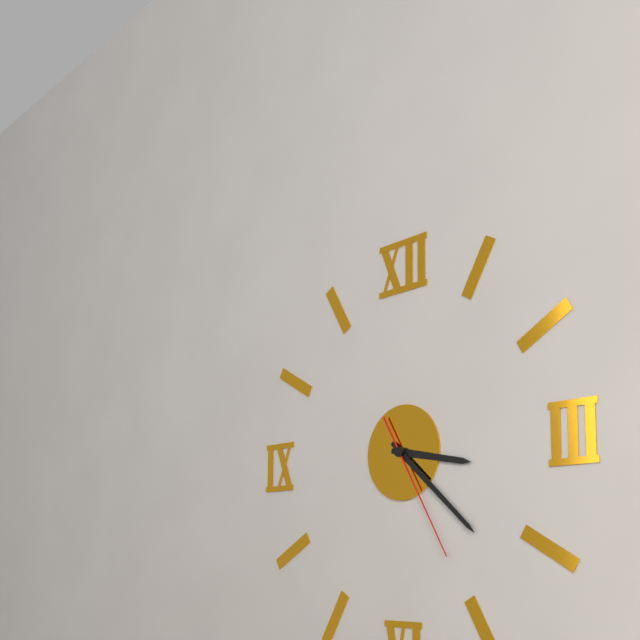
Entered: 3 h 22 min 25 s
